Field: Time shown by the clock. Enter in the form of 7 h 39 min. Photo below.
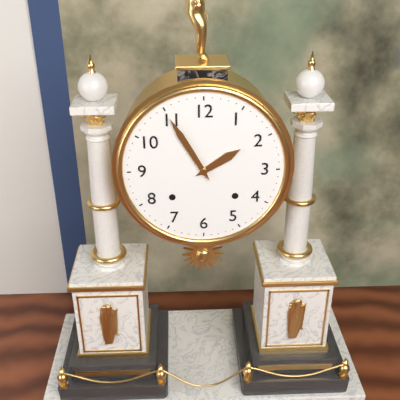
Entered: 1 h 55 min
